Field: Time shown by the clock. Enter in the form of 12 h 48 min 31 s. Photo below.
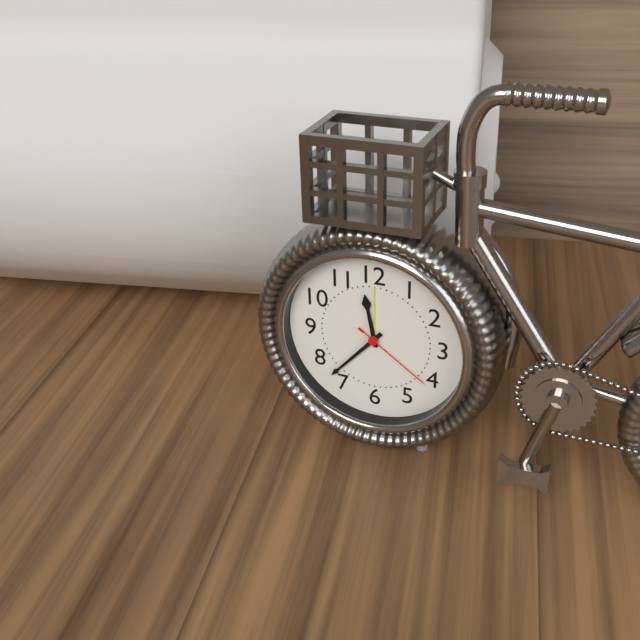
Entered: 11 h 37 min 21 s
